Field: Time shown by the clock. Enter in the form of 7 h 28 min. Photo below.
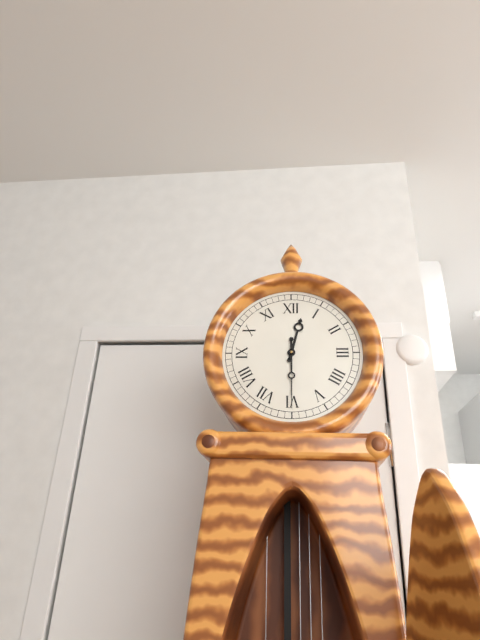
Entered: 12 h 30 min
